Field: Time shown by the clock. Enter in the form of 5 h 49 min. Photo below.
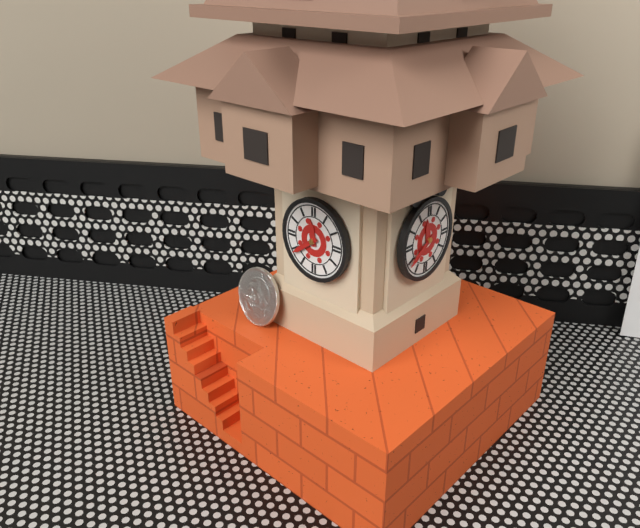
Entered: 11 h 39 min
